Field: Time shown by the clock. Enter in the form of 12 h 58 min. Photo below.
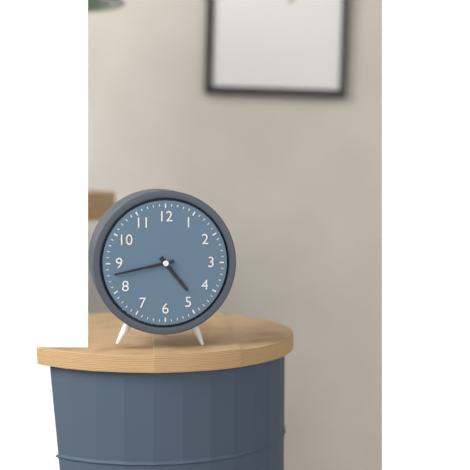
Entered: 4 h 43 min
